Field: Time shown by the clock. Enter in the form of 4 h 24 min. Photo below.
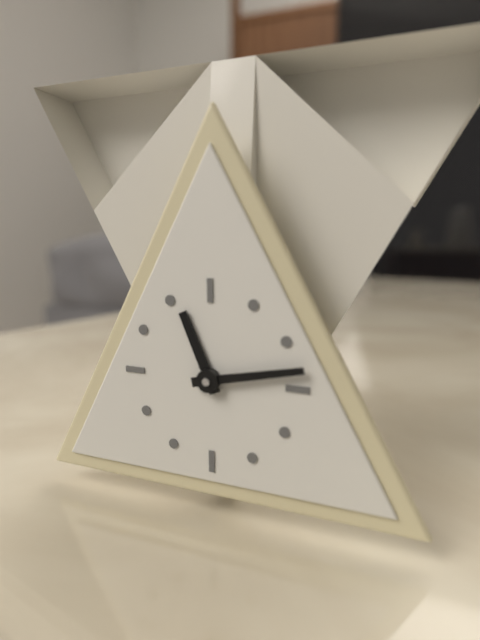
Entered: 11 h 13 min
